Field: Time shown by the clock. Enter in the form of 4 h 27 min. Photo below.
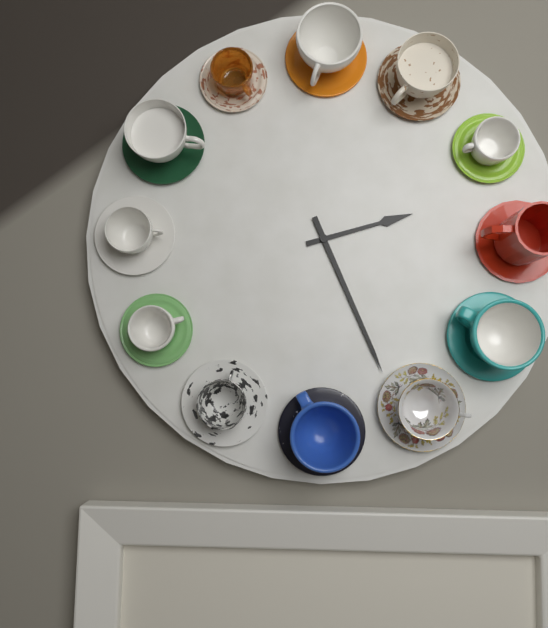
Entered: 2 h 26 min
